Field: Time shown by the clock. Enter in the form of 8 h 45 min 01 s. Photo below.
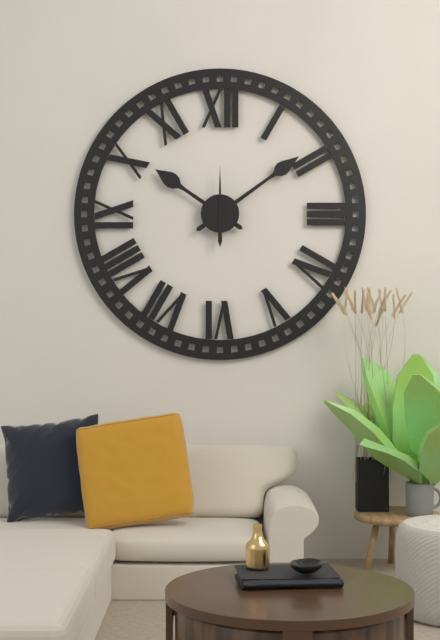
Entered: 10 h 09 min 00 s
